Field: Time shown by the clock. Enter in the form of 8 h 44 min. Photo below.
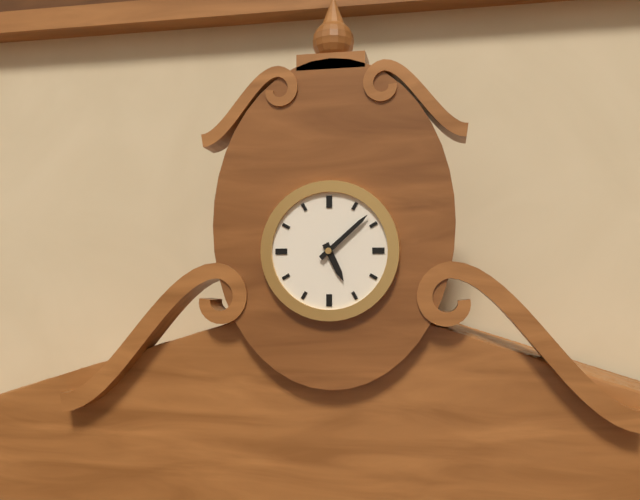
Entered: 5 h 08 min
